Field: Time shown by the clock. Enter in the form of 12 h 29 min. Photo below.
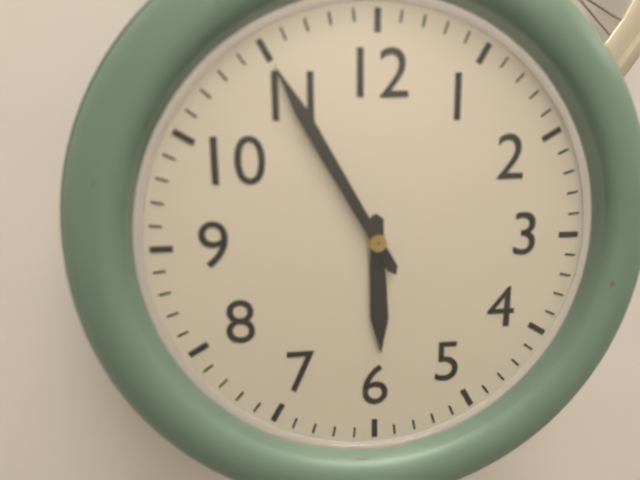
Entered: 5 h 55 min
